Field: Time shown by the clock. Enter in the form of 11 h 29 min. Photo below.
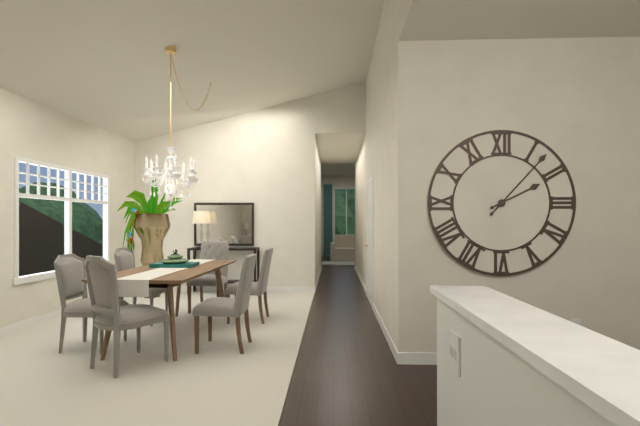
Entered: 2 h 07 min
